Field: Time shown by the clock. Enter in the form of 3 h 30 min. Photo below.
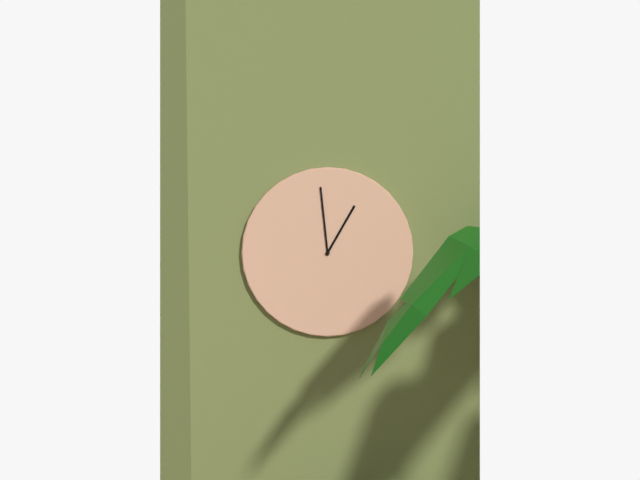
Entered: 12 h 59 min
